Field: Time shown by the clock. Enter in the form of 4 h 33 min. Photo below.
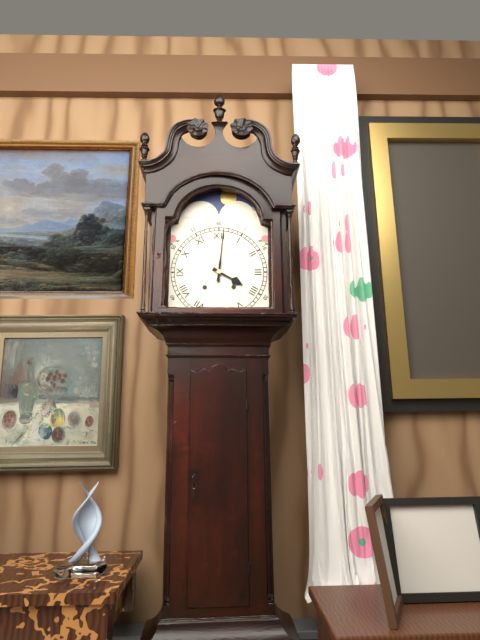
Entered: 4 h 01 min
